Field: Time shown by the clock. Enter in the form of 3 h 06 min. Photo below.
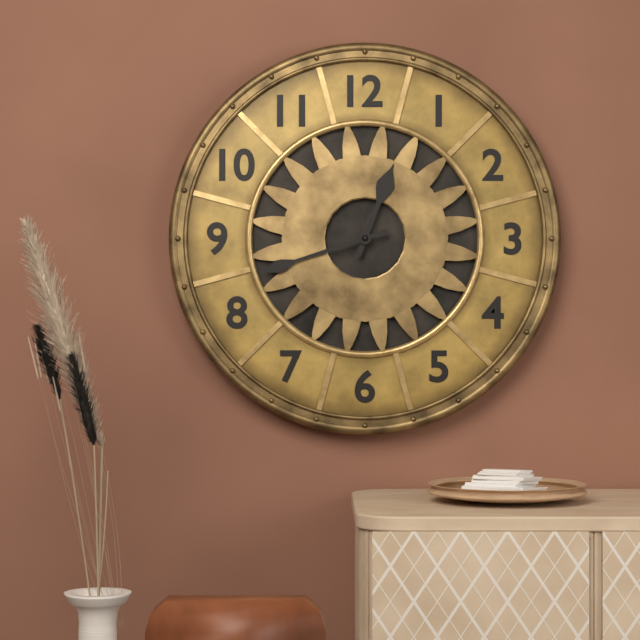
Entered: 12 h 42 min
